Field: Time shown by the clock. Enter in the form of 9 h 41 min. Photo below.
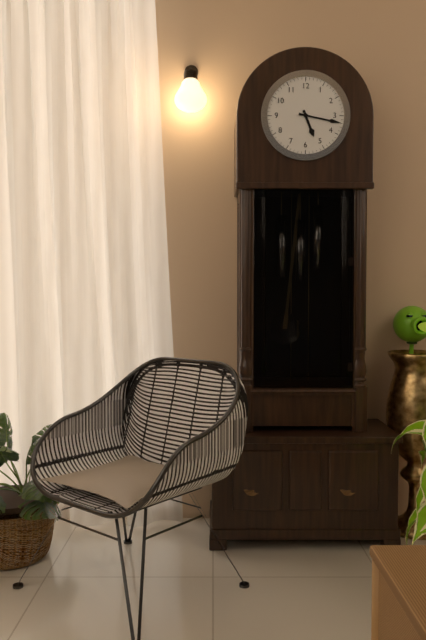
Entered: 5 h 17 min
